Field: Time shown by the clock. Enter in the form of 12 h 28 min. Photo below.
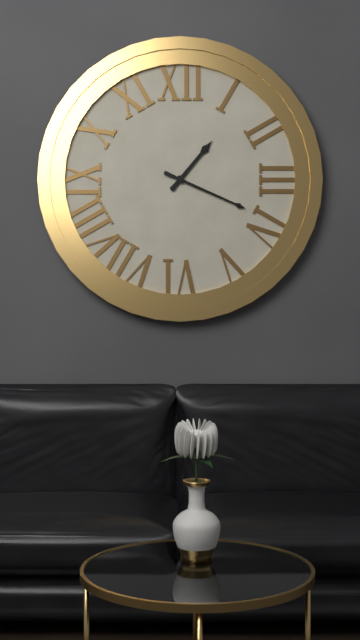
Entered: 1 h 19 min
